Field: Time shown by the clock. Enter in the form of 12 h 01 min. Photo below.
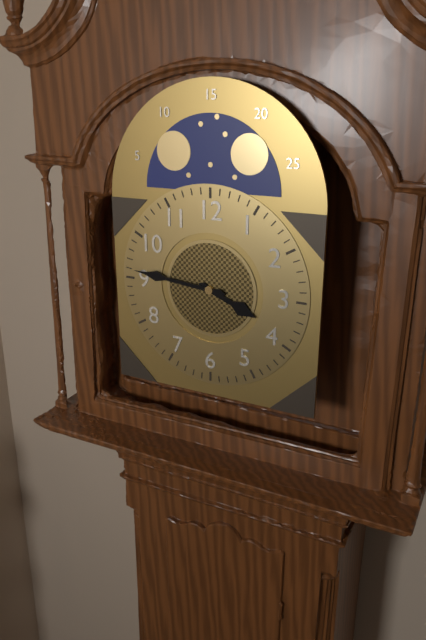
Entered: 3 h 46 min
